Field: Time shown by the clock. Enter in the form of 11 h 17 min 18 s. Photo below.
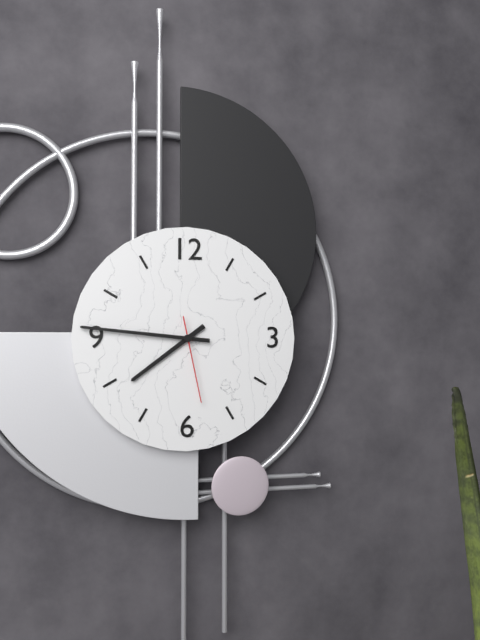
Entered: 7 h 46 min 28 s
